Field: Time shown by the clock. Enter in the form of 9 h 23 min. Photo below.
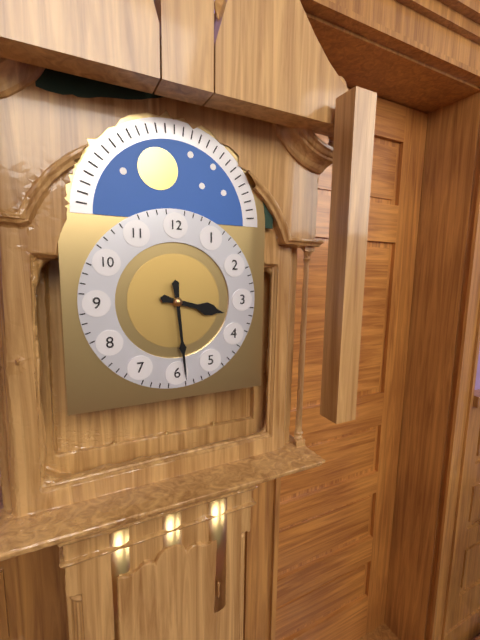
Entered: 3 h 29 min
